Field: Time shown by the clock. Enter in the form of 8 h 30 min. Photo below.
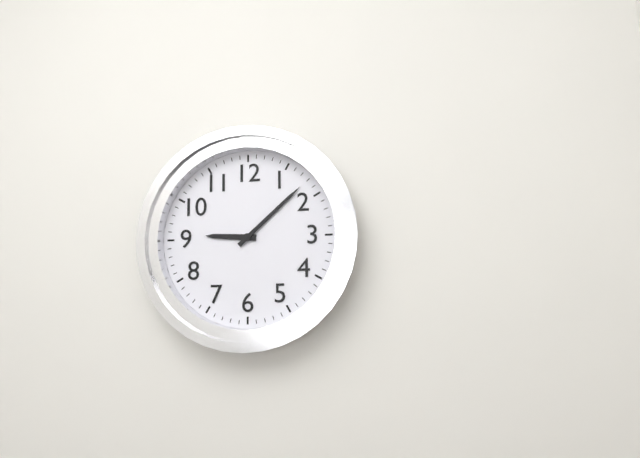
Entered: 9 h 08 min
